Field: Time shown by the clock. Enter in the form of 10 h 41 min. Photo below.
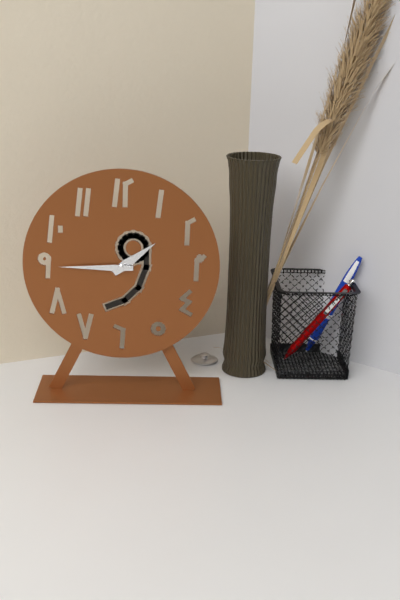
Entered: 1 h 45 min
